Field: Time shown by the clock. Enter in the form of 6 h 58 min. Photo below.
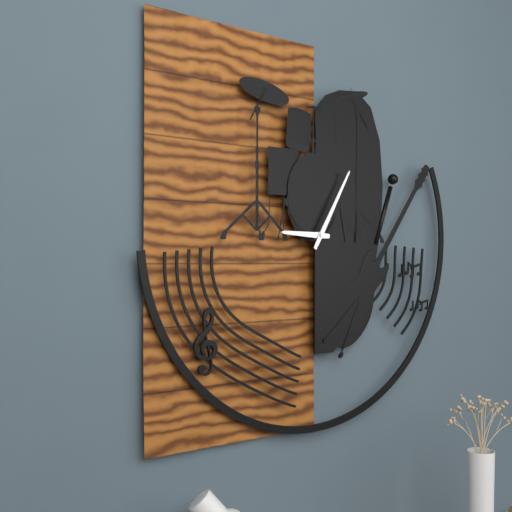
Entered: 9 h 05 min
